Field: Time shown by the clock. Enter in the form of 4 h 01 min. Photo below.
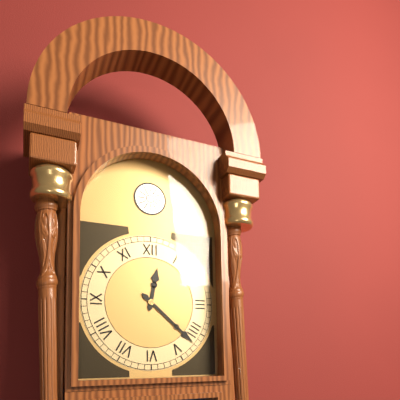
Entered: 12 h 22 min
